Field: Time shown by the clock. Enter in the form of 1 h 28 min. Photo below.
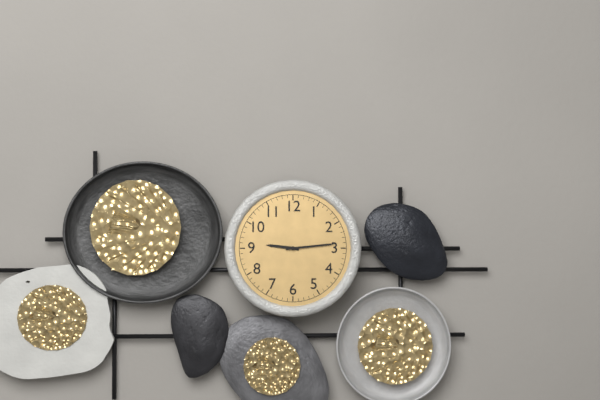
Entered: 9 h 14 min
